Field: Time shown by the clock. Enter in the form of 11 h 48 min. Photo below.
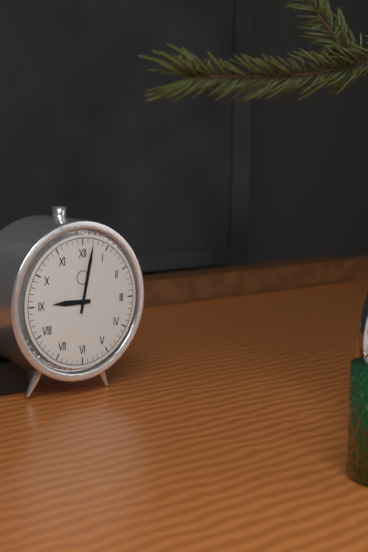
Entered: 9 h 02 min
